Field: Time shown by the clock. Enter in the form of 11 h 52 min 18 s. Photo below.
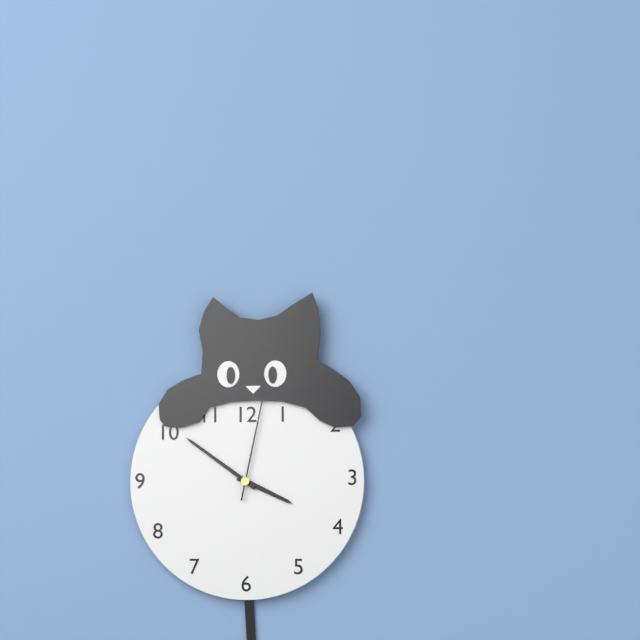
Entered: 3 h 51 min 02 s
